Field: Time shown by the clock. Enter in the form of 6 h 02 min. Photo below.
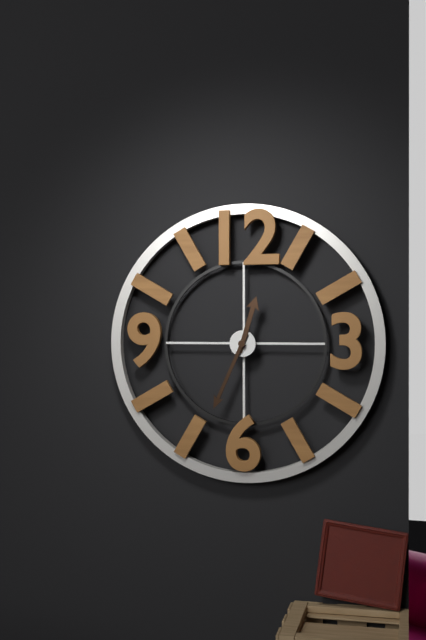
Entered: 12 h 34 min
